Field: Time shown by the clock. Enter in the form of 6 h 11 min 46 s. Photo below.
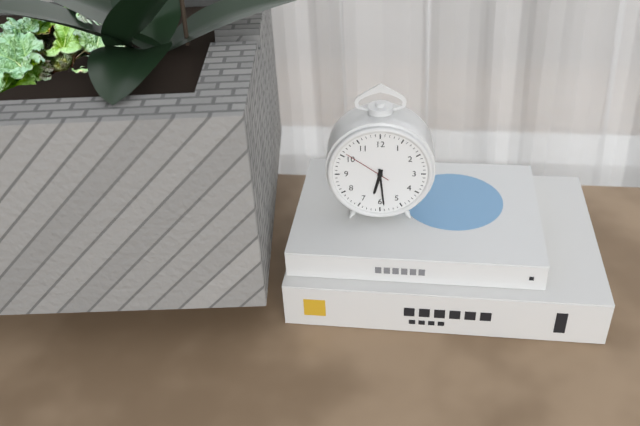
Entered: 6 h 29 min 51 s
